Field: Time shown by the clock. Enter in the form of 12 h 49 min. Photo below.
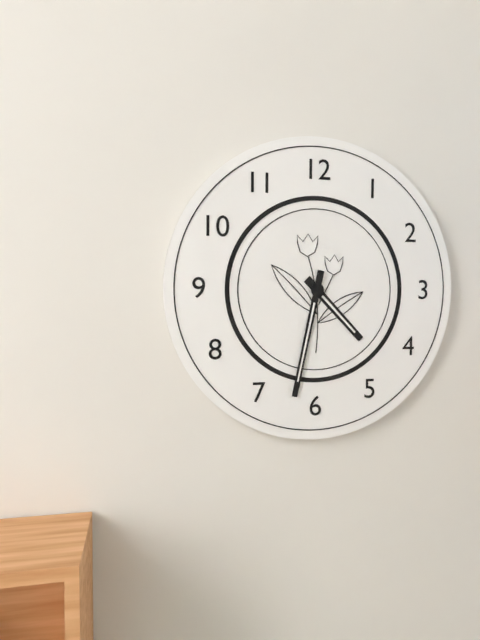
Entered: 4 h 32 min
